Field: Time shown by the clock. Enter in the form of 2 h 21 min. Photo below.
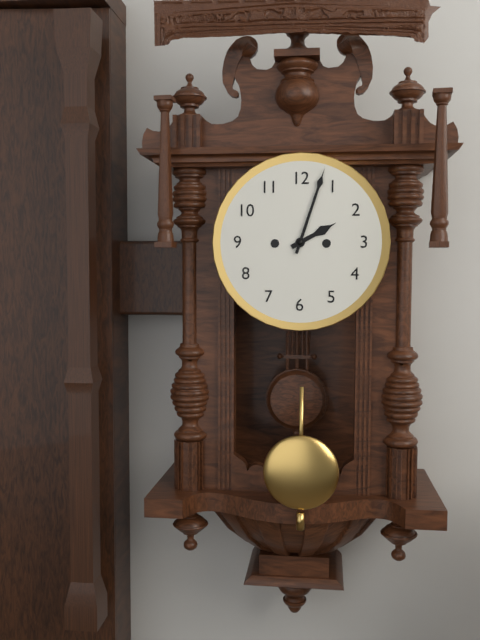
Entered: 2 h 03 min
